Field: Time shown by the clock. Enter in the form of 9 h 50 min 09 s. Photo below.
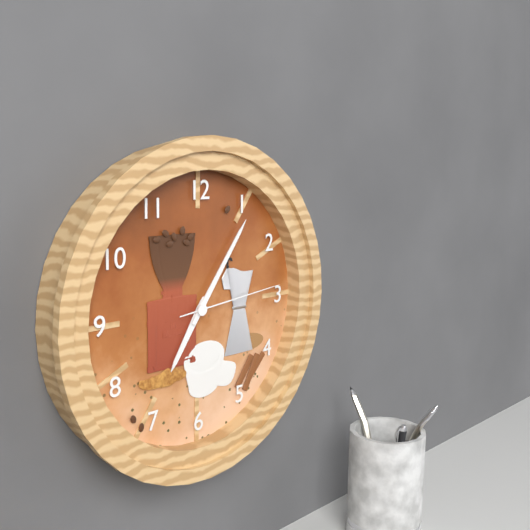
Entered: 7 h 06 min 14 s
